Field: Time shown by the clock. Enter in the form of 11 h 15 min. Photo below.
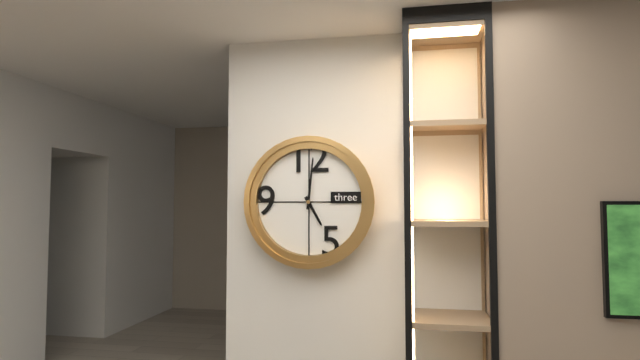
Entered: 5 h 01 min
